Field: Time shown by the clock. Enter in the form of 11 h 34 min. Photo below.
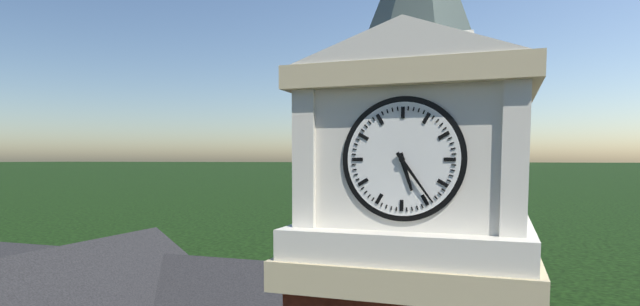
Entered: 5 h 24 min
